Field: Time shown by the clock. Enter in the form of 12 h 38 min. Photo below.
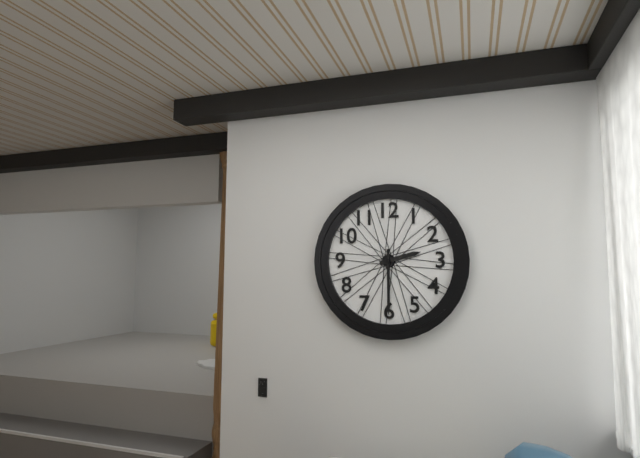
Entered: 2 h 30 min
